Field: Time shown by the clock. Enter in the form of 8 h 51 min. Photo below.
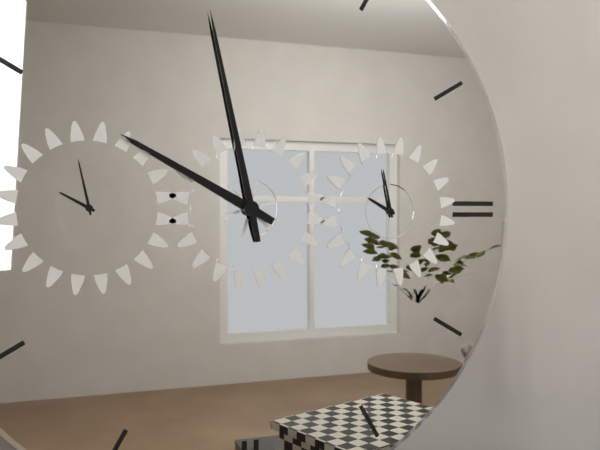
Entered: 9 h 58 min
